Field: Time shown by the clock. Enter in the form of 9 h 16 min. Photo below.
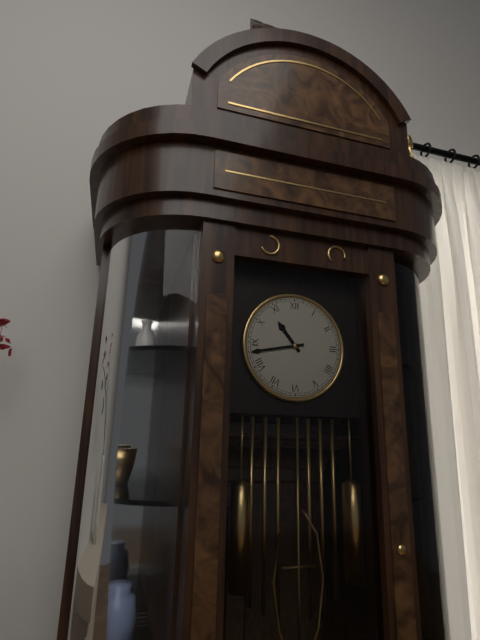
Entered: 10 h 43 min
